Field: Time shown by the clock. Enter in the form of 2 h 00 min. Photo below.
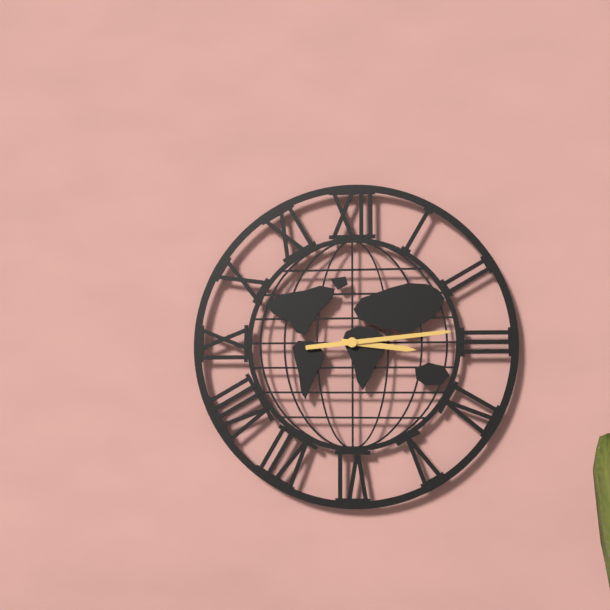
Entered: 3 h 14 min
